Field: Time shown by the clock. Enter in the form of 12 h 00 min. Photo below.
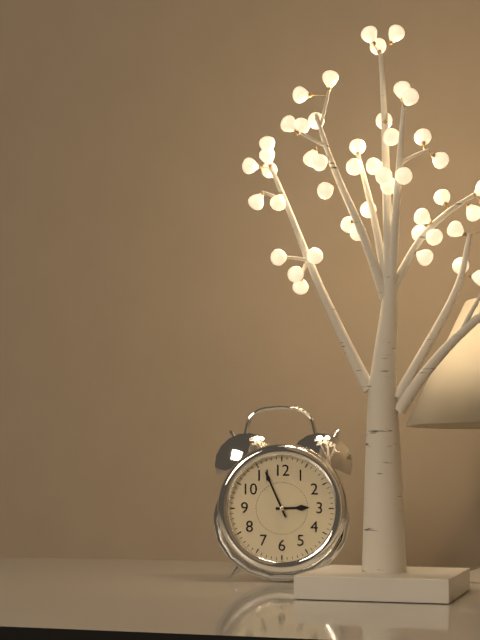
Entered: 2 h 56 min
